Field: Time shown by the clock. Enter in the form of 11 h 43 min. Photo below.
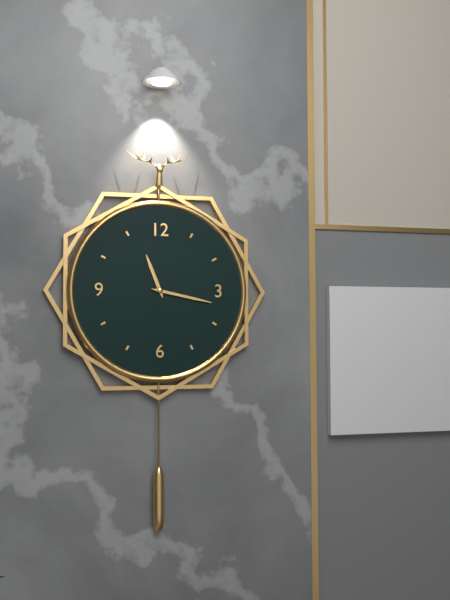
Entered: 11 h 17 min
